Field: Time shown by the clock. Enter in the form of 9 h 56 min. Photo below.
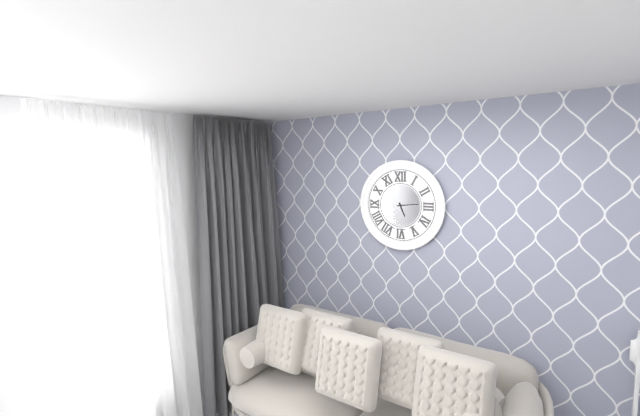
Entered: 5 h 14 min
